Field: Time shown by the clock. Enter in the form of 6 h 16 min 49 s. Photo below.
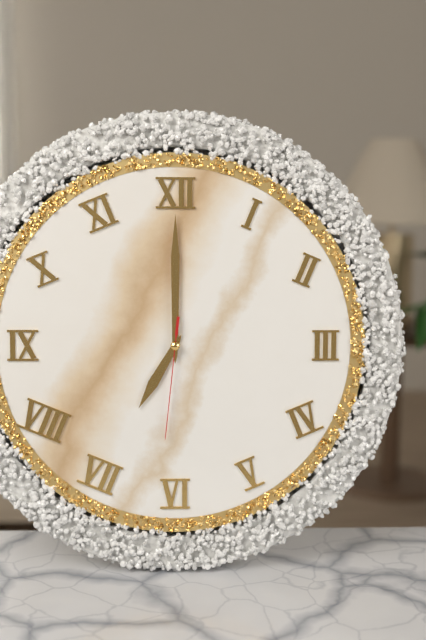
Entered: 7 h 00 min 31 s
